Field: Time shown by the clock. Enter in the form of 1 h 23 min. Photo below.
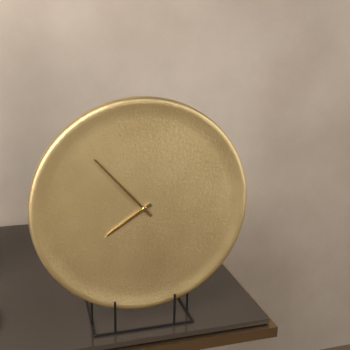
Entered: 7 h 53 min
